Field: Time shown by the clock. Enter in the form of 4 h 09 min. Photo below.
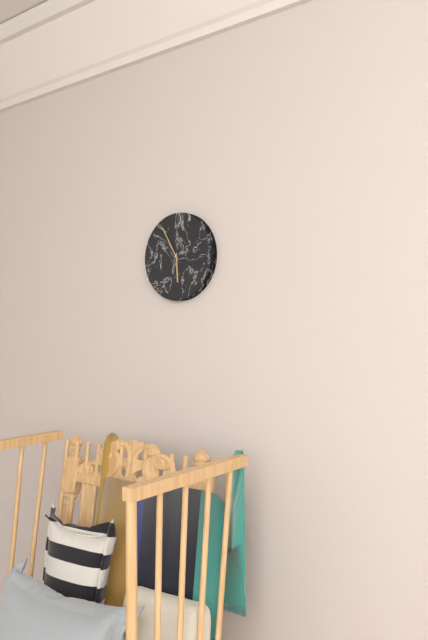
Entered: 5 h 55 min
